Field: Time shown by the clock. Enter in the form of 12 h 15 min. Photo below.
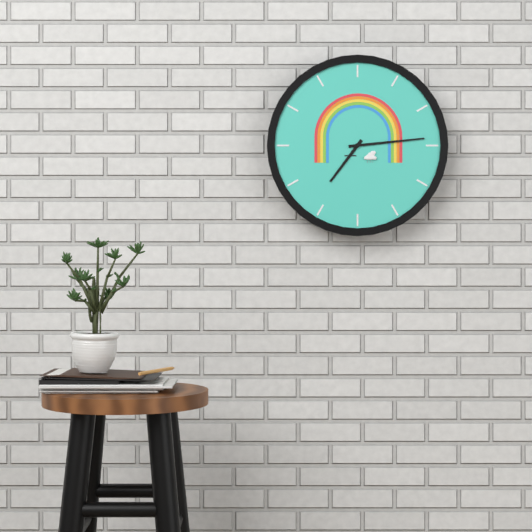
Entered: 7 h 14 min
